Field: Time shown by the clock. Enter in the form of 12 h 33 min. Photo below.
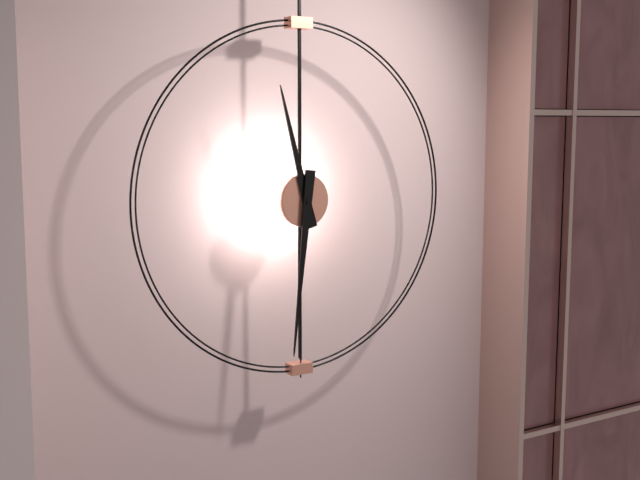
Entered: 11 h 31 min
